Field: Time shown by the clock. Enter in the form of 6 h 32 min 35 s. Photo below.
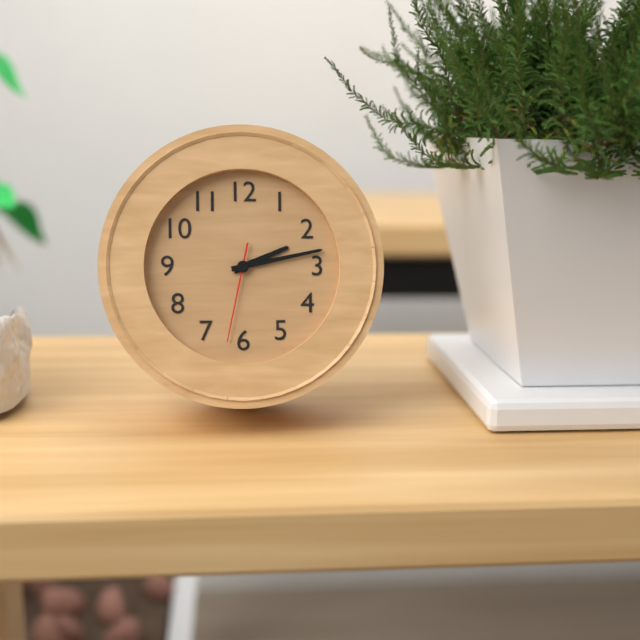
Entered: 2 h 13 min 32 s
